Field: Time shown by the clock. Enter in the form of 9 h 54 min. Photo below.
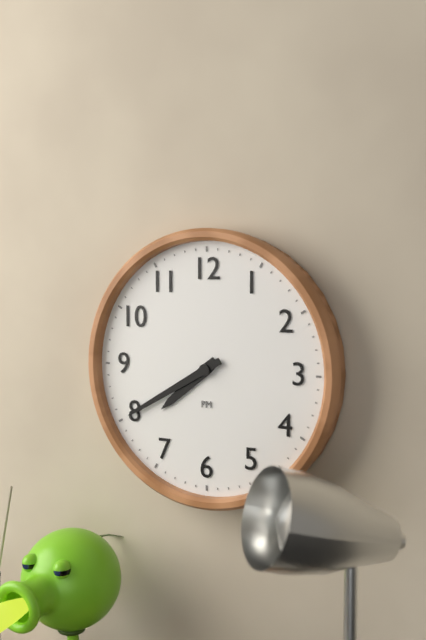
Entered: 7 h 40 min
